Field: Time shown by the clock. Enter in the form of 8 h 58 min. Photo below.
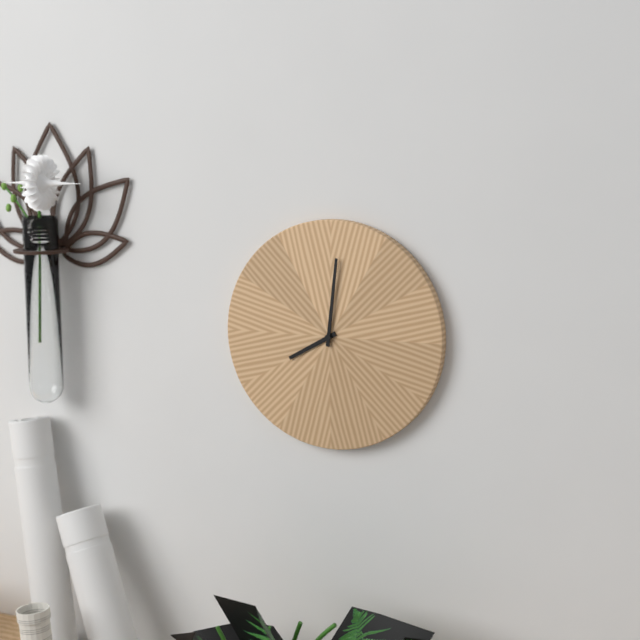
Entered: 8 h 01 min
